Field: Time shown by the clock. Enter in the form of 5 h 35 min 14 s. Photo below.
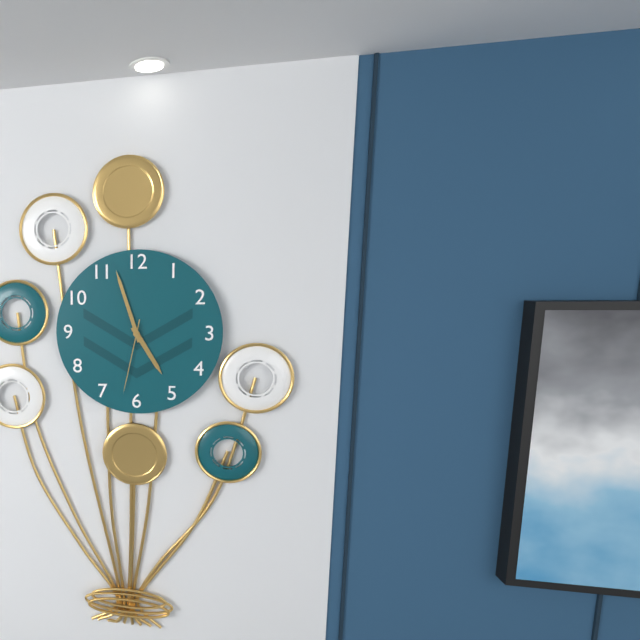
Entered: 4 h 57 min 32 s
